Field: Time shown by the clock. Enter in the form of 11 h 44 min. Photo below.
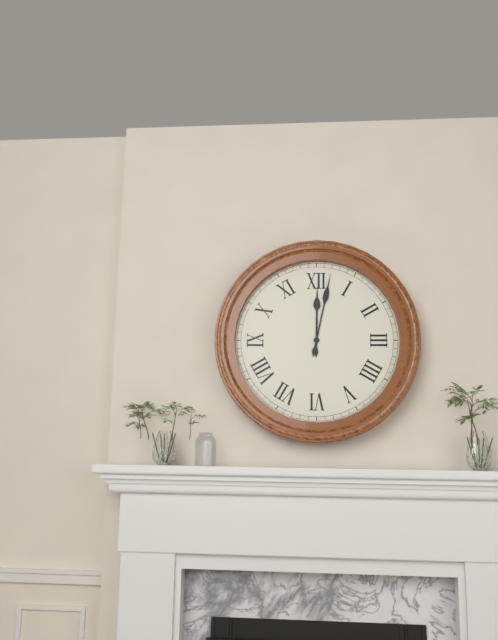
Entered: 12 h 02 min
